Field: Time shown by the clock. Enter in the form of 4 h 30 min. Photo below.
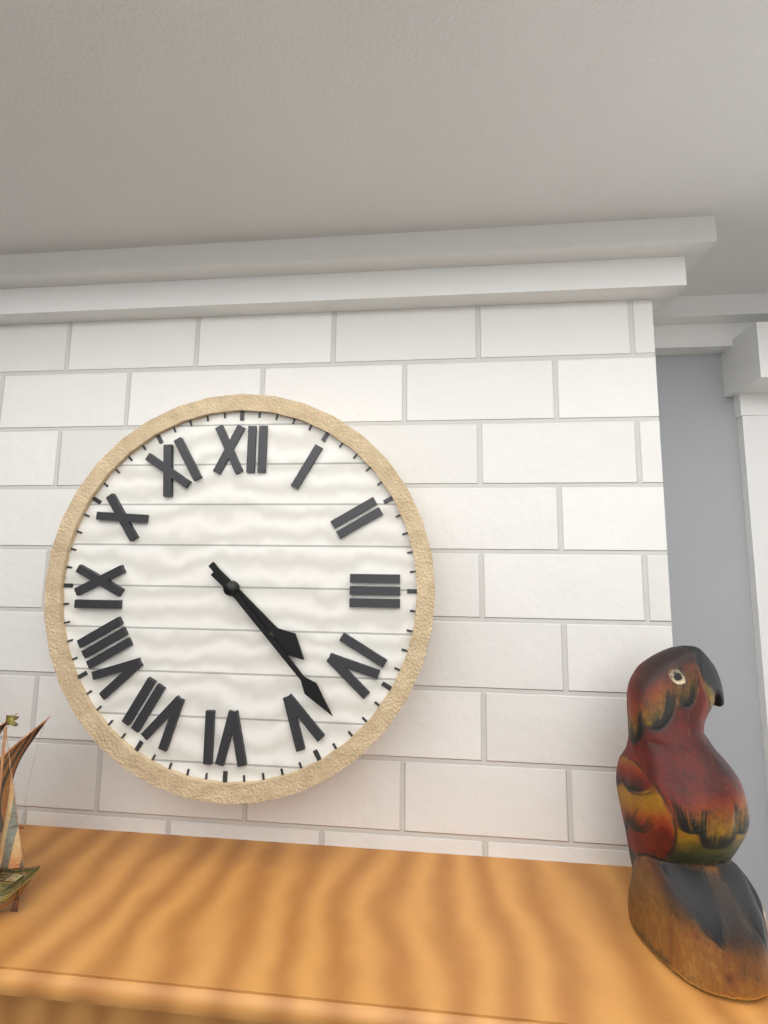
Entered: 4 h 23 min
